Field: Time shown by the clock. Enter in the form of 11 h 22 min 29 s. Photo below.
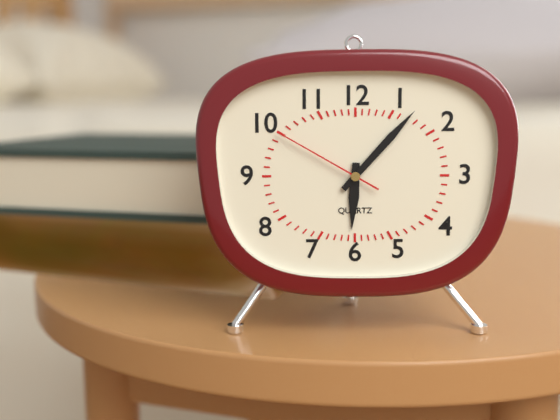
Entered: 6 h 07 min 50 s
